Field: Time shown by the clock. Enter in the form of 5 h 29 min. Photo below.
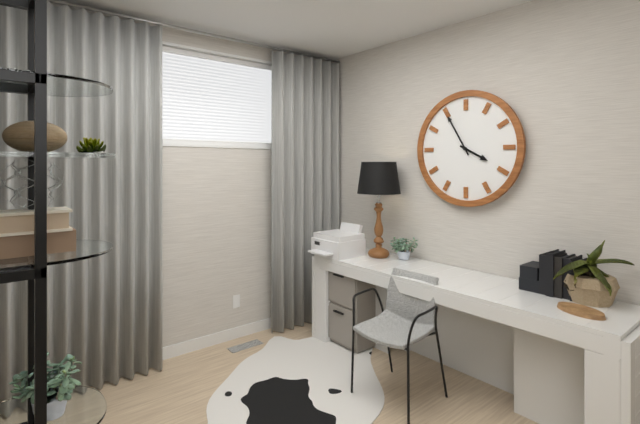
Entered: 3 h 55 min
